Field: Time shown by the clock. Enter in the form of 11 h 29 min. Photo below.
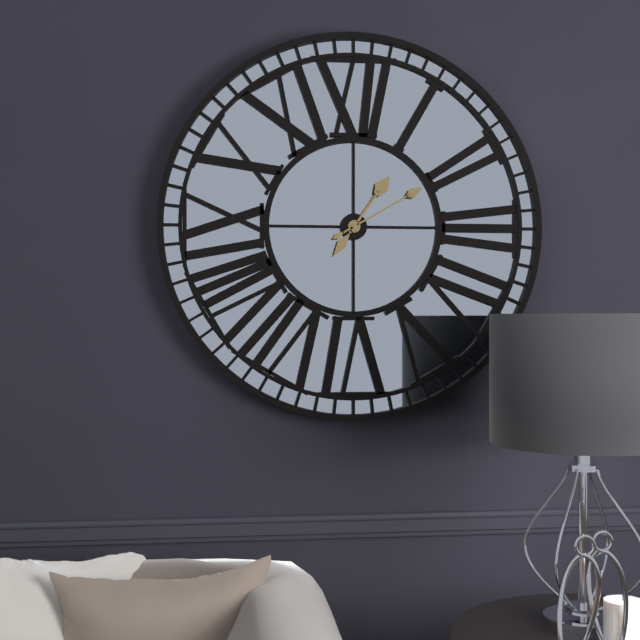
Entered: 1 h 10 min
